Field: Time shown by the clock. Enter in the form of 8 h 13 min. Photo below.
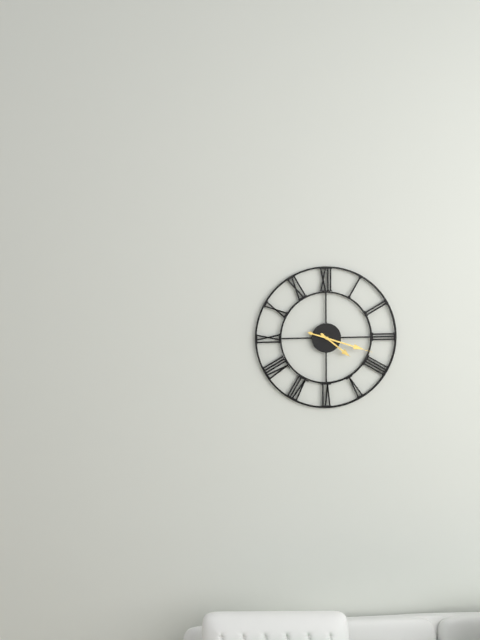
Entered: 4 h 18 min
